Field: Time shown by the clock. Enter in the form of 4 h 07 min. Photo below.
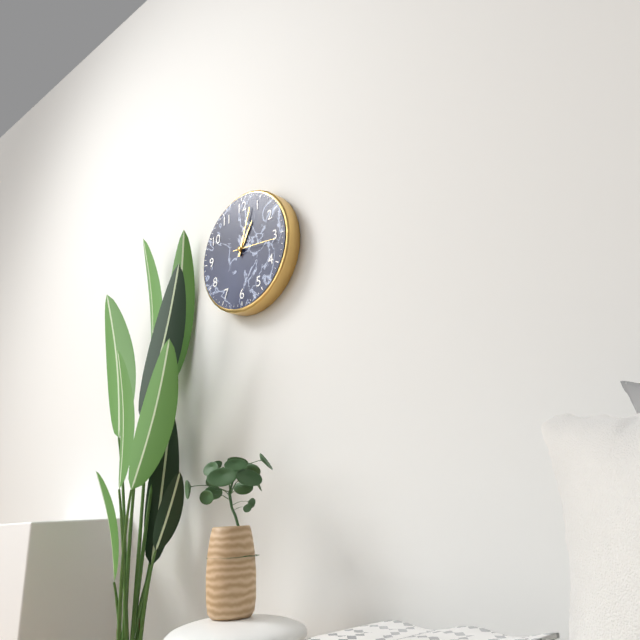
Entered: 1 h 03 min
